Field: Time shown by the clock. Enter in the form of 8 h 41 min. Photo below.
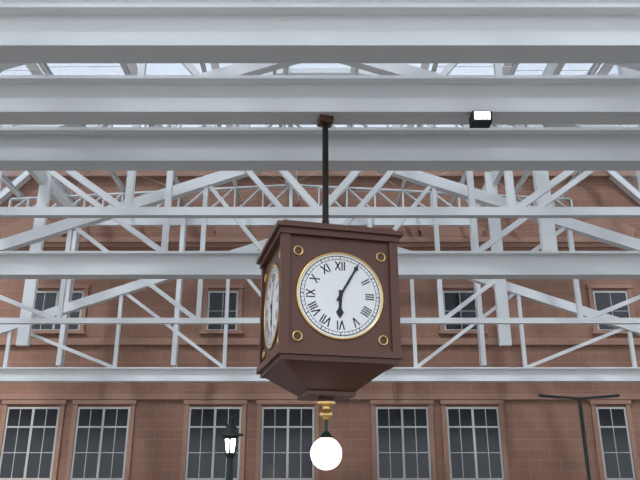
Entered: 6 h 05 min
